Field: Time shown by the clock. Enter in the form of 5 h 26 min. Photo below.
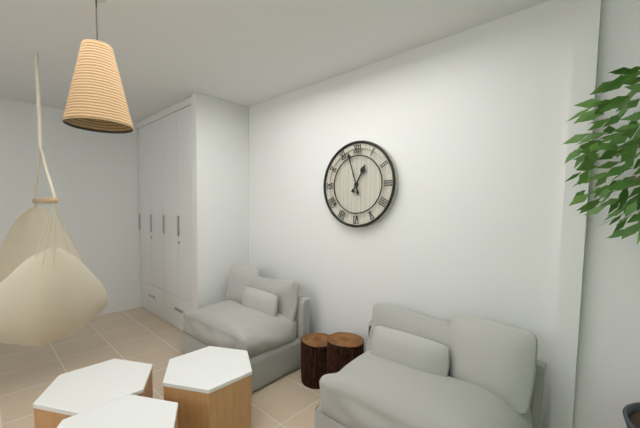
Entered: 12 h 57 min
